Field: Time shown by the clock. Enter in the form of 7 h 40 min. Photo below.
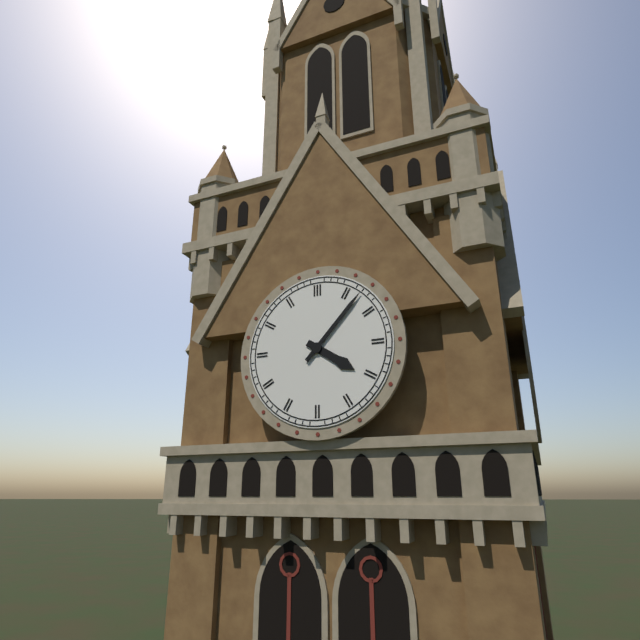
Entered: 4 h 07 min
